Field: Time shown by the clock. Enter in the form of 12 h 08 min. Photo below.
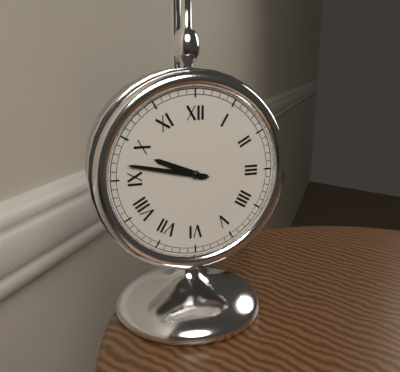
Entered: 9 h 47 min
